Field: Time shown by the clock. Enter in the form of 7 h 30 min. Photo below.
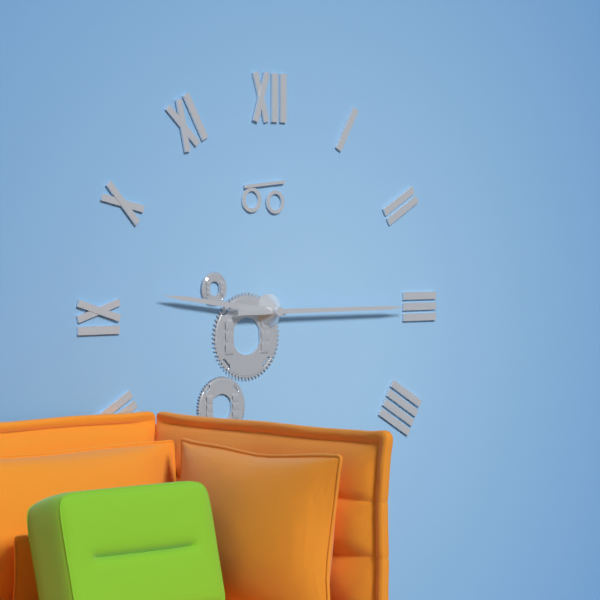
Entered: 9 h 15 min
